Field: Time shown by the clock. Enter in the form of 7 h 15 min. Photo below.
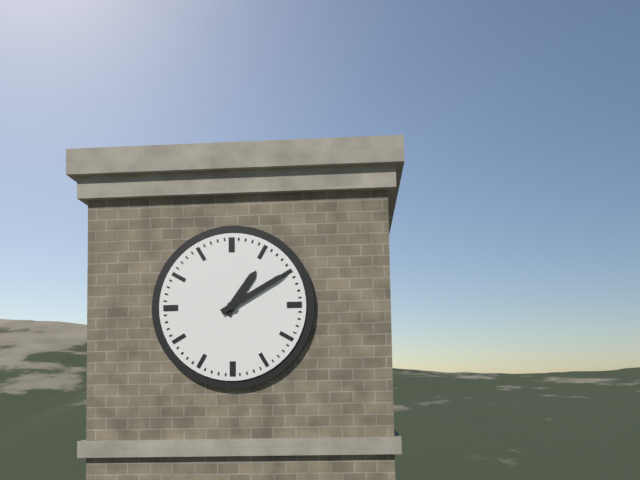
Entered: 1 h 10 min
